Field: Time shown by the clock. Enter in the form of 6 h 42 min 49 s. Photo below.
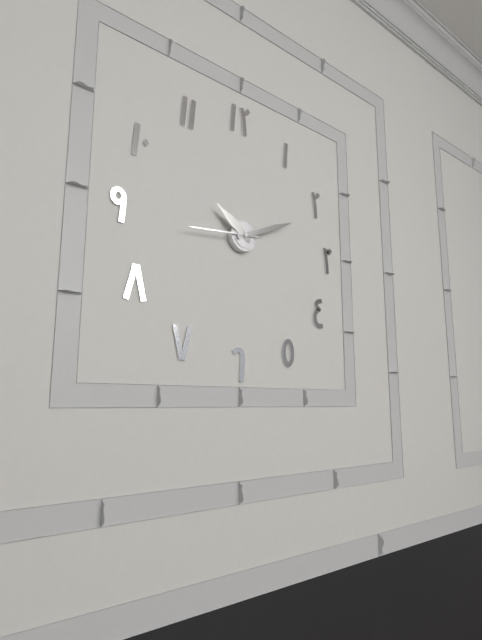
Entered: 10 h 11 min 44 s
